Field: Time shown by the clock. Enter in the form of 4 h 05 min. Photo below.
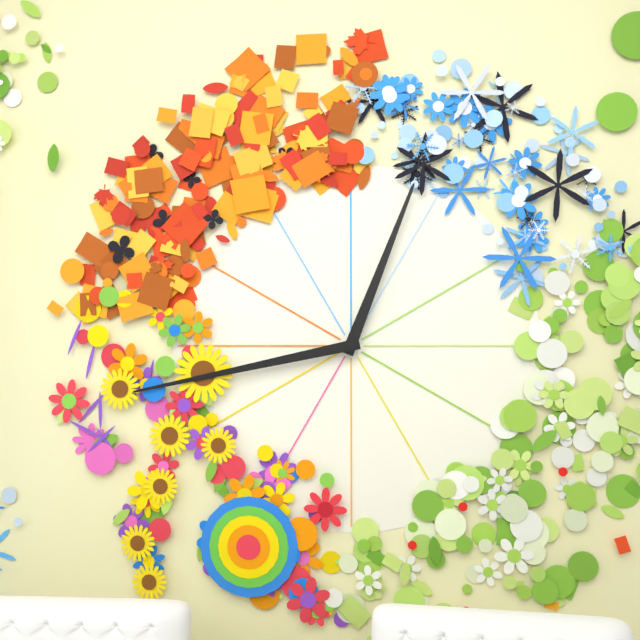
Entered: 12 h 43 min
